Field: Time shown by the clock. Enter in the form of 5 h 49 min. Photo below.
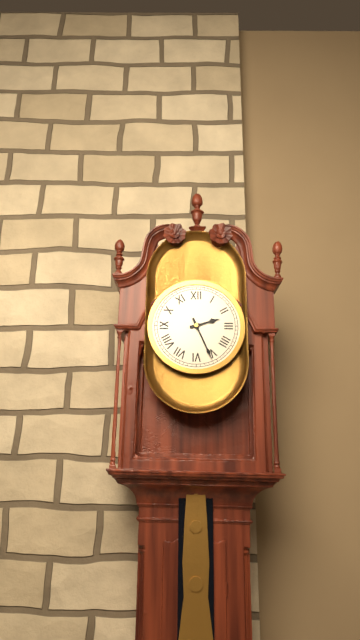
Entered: 2 h 26 min
